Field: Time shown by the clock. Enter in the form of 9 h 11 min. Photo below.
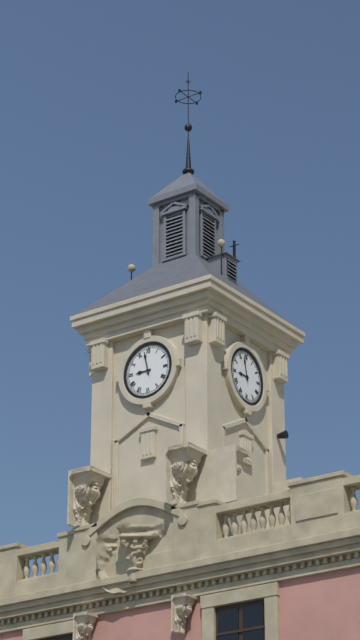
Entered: 8 h 58 min
